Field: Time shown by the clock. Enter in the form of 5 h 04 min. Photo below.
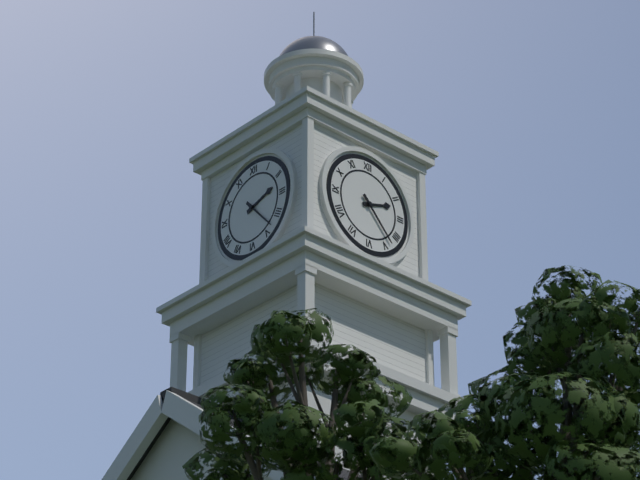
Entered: 2 h 23 min
